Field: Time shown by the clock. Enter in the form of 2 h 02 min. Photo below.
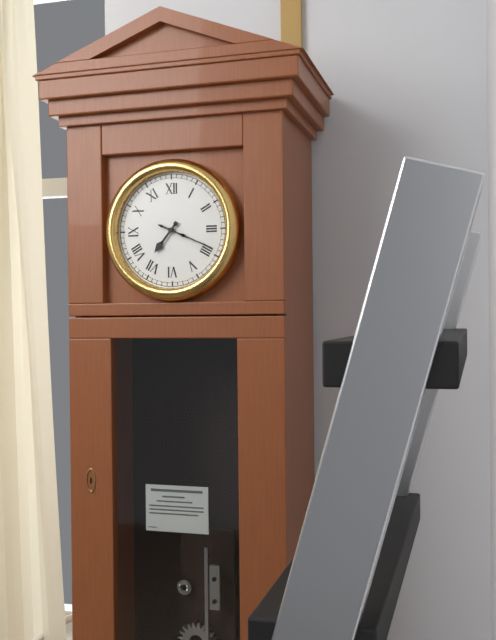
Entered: 7 h 19 min
